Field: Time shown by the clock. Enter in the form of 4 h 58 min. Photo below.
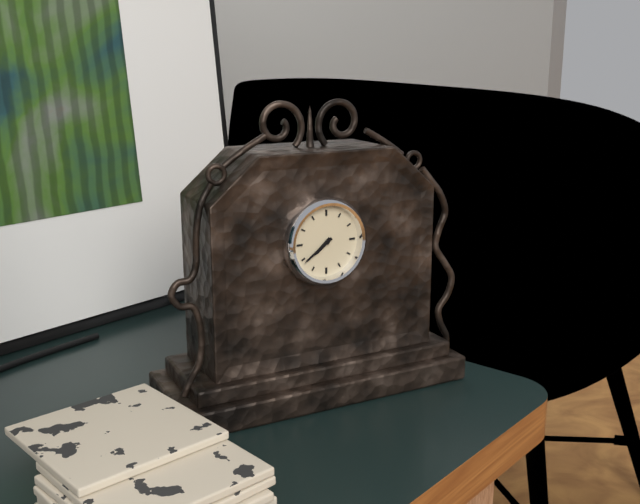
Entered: 7 h 39 min
